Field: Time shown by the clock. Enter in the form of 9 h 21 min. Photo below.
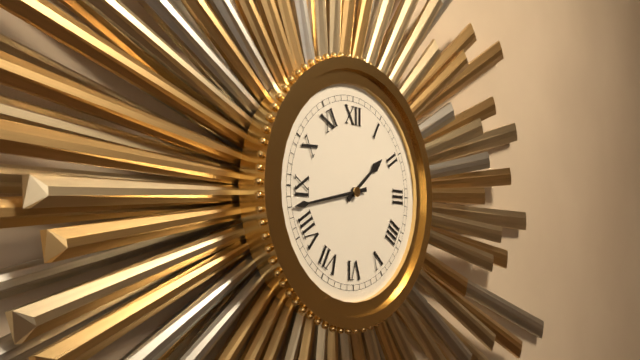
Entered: 1 h 43 min
